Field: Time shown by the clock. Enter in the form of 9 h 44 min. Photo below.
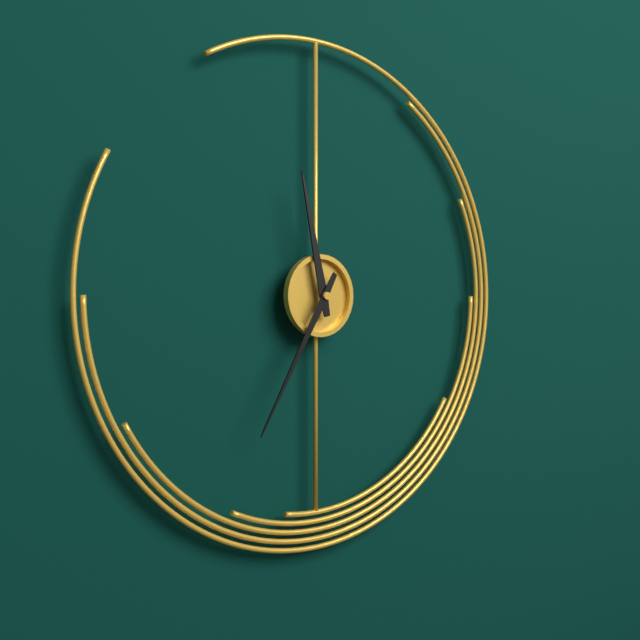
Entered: 11 h 35 min
